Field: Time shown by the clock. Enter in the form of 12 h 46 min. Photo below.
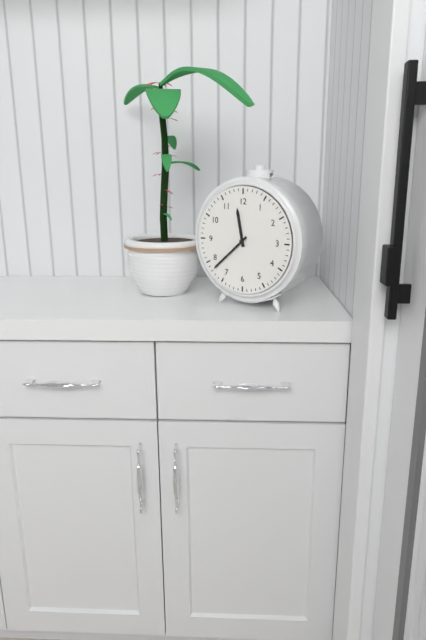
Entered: 11 h 38 min
